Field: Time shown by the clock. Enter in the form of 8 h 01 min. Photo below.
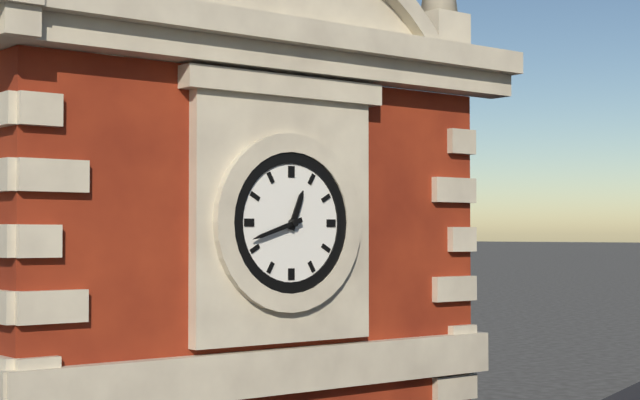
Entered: 12 h 42 min
